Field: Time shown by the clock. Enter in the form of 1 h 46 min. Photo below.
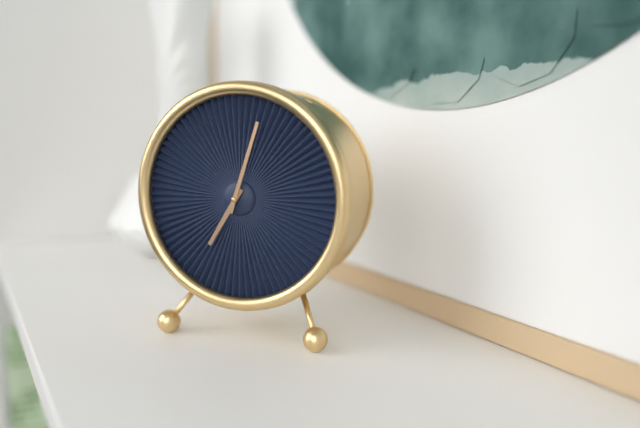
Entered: 7 h 03 min
